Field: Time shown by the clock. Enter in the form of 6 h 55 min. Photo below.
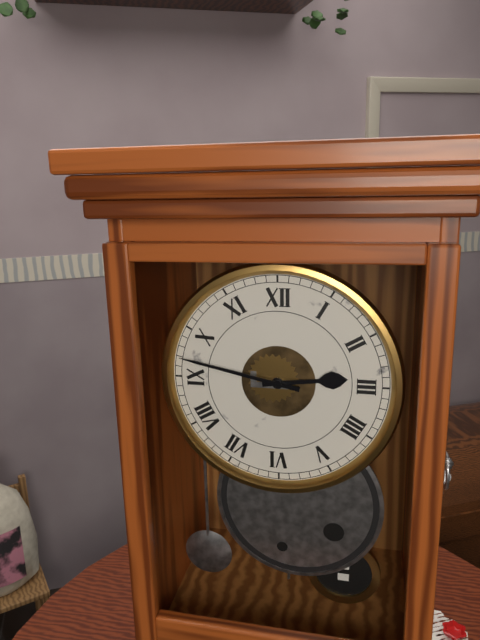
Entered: 2 h 47 min
